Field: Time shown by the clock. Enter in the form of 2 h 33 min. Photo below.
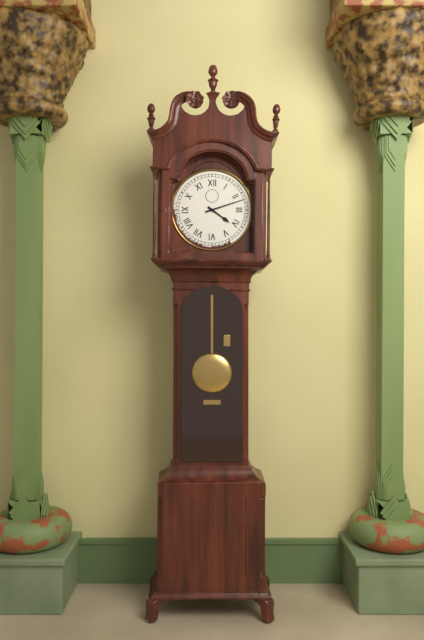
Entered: 4 h 12 min
